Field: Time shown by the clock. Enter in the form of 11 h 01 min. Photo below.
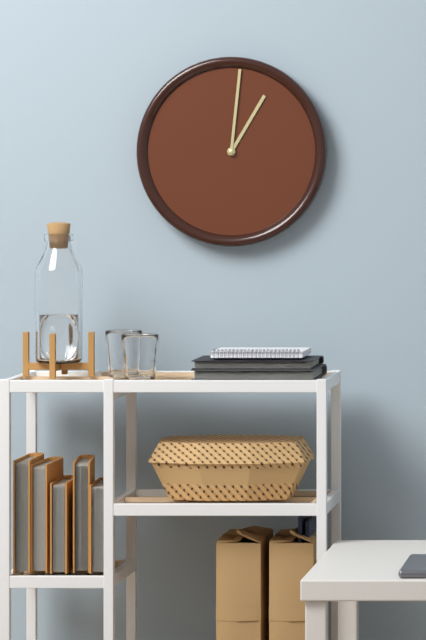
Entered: 1 h 01 min
